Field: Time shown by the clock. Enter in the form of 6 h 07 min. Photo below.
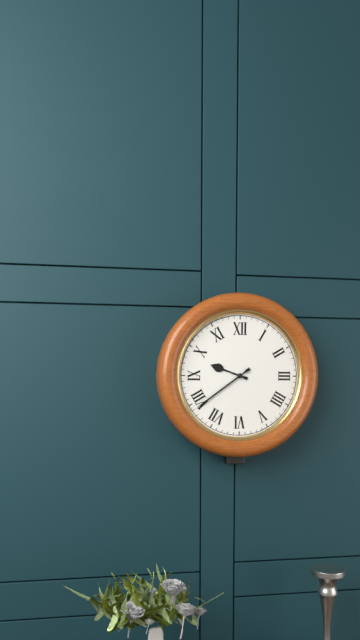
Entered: 9 h 39 min
